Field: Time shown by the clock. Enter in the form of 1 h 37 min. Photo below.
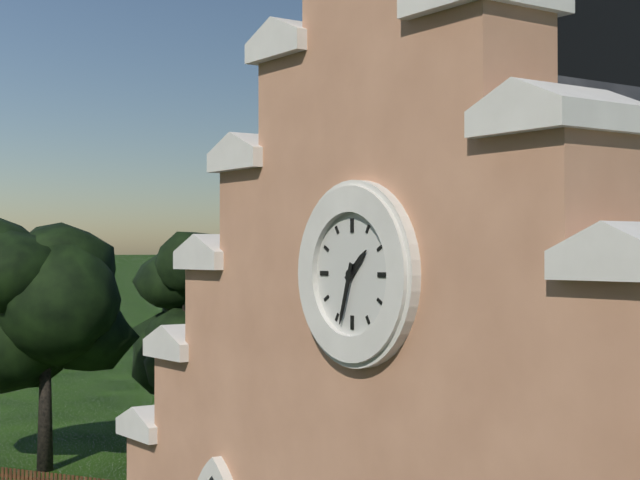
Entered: 1 h 33 min
